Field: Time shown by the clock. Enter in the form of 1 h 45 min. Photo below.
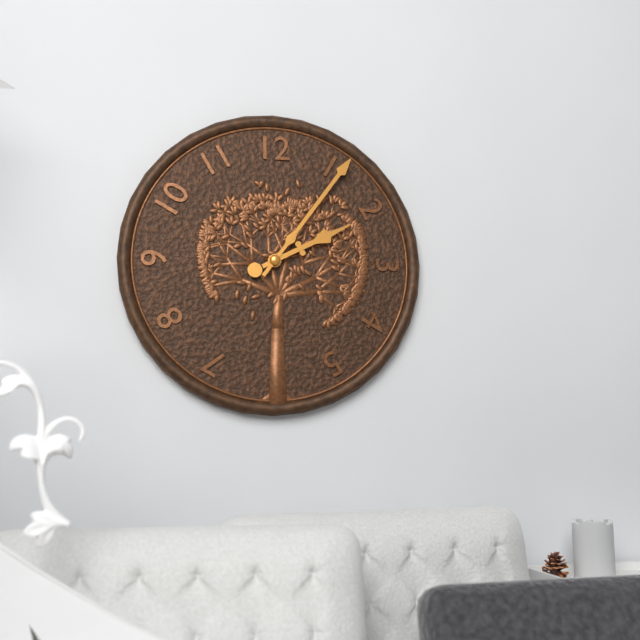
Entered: 2 h 06 min
